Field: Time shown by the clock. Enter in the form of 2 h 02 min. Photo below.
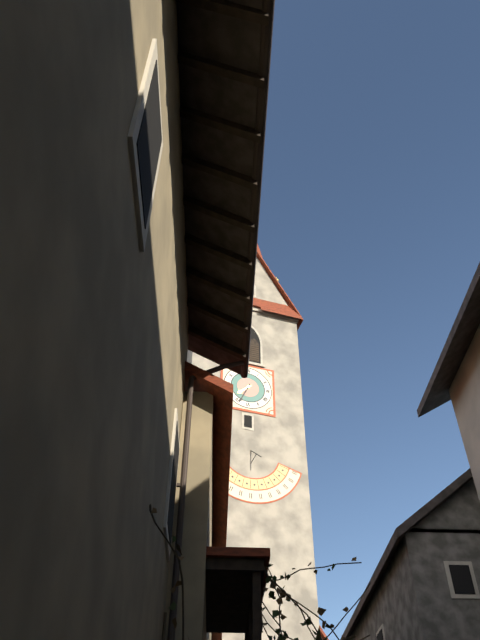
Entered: 7 h 34 min
